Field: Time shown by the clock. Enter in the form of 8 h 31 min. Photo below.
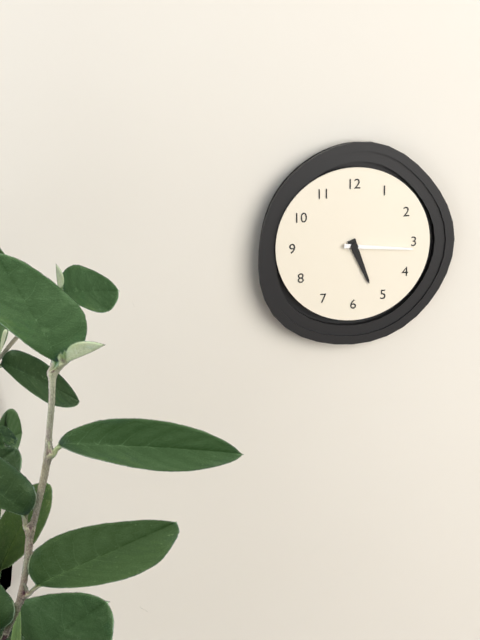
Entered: 5 h 16 min
